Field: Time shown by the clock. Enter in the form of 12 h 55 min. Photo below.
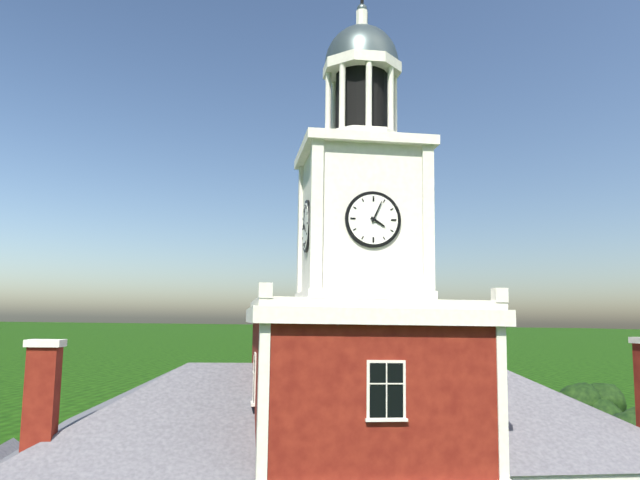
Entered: 4 h 04 min
